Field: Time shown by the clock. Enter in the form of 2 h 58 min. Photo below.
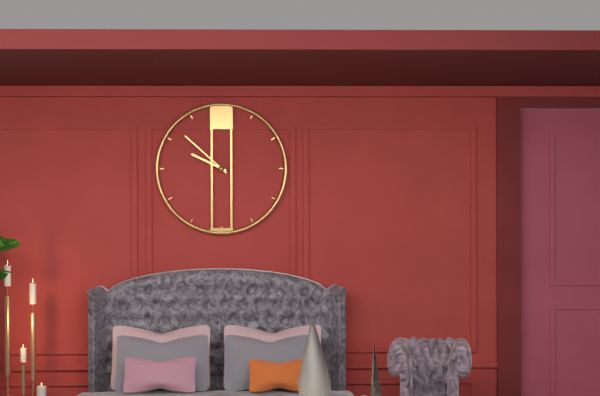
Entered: 9 h 52 min
